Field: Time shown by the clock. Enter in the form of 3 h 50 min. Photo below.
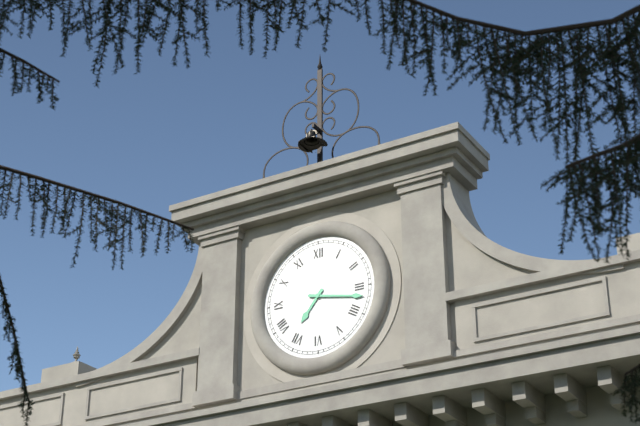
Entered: 7 h 17 min
